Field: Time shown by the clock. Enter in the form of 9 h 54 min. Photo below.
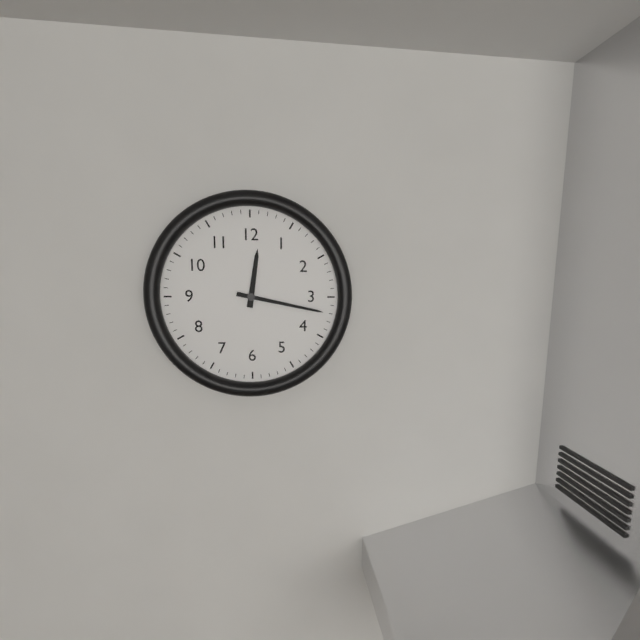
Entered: 12 h 17 min
